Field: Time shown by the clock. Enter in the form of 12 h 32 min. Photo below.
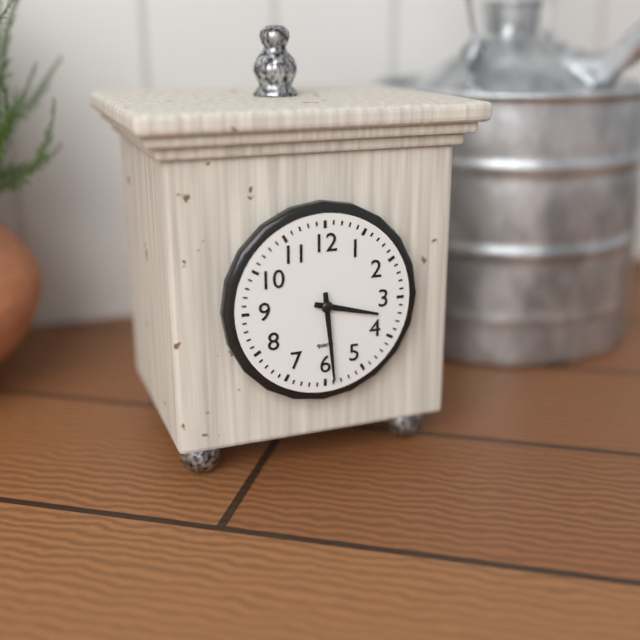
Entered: 3 h 29 min
